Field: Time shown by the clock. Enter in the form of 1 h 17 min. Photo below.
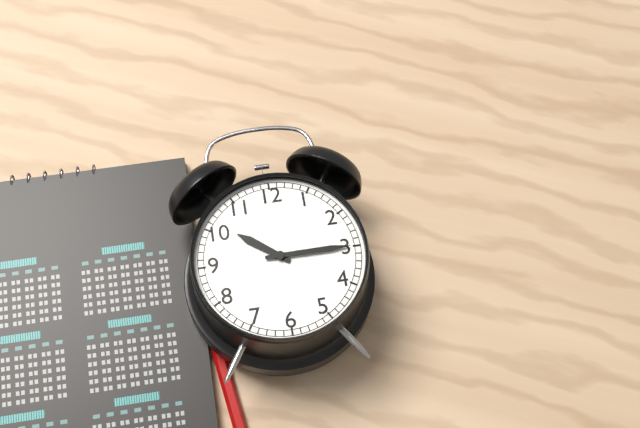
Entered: 10 h 15 min
